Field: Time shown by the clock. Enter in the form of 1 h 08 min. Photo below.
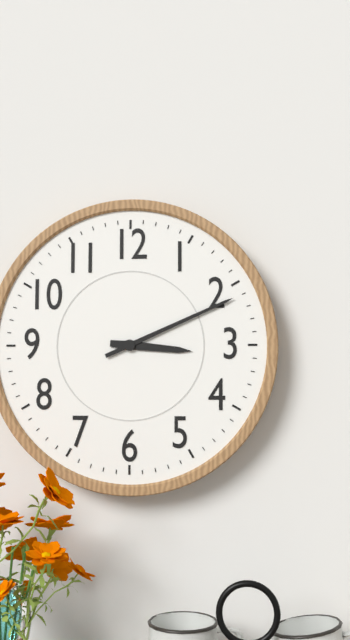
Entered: 3 h 11 min
